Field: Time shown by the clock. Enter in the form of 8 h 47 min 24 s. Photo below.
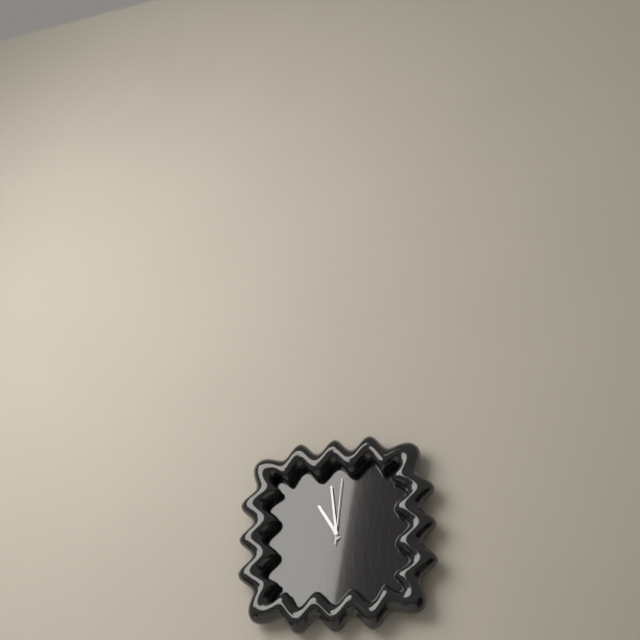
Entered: 10 h 59 min 01 s
